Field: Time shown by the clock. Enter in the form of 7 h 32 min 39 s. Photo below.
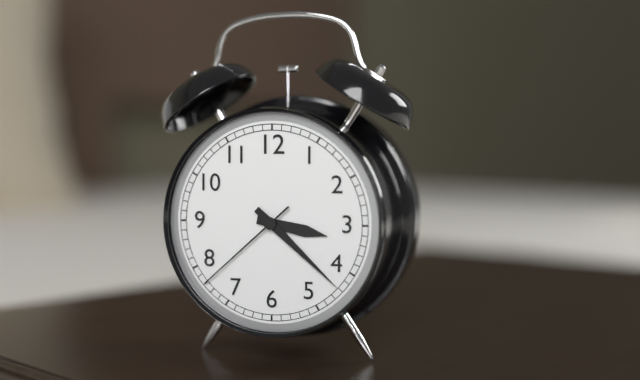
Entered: 3 h 22 min 38 s
